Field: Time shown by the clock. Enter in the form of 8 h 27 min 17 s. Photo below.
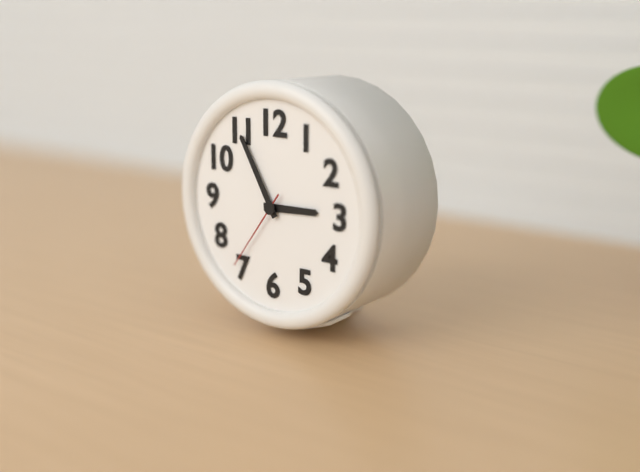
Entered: 2 h 55 min 36 s
